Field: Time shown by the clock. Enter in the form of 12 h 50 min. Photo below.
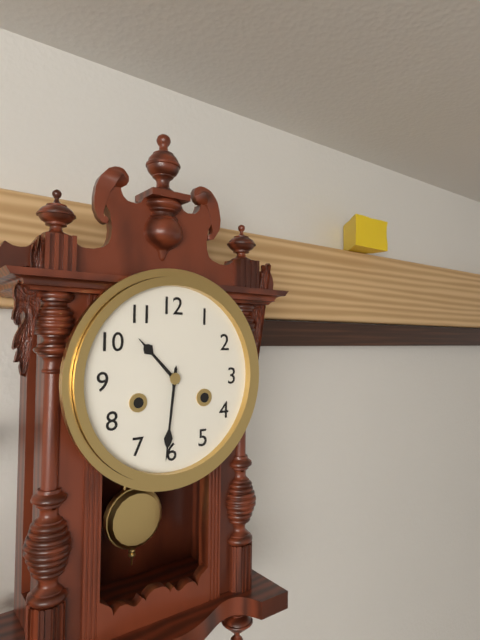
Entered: 10 h 31 min
